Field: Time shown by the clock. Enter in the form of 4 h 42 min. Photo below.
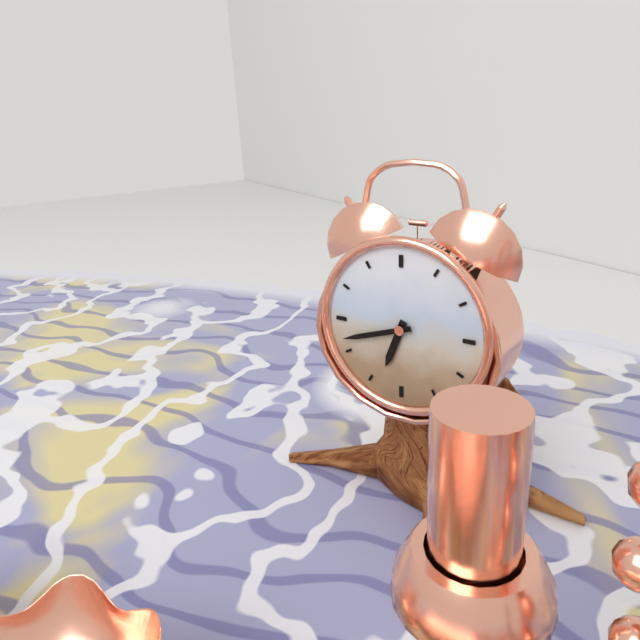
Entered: 6 h 42 min
